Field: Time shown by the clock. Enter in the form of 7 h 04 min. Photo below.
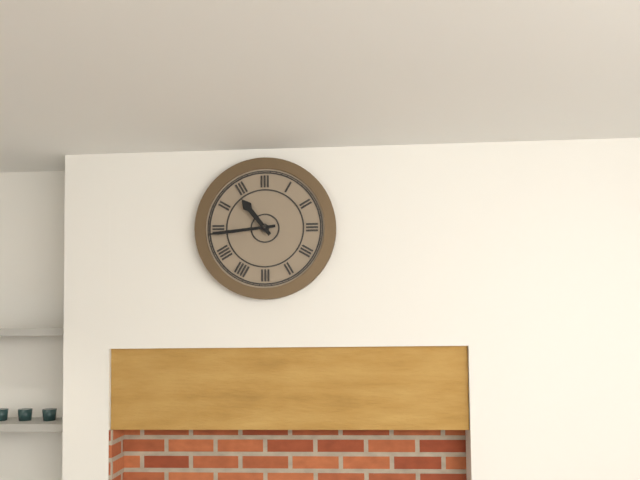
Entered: 10 h 44 min
